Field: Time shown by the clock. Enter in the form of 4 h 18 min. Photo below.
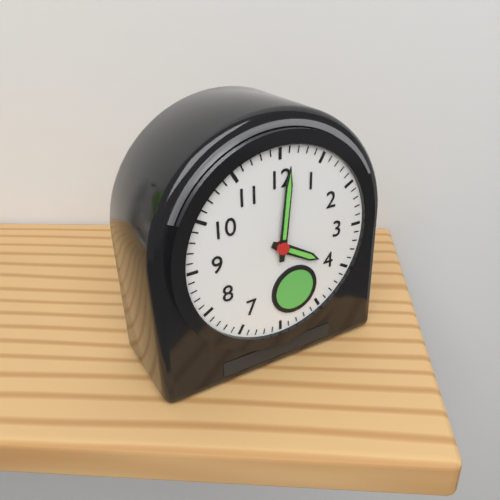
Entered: 4 h 01 min
